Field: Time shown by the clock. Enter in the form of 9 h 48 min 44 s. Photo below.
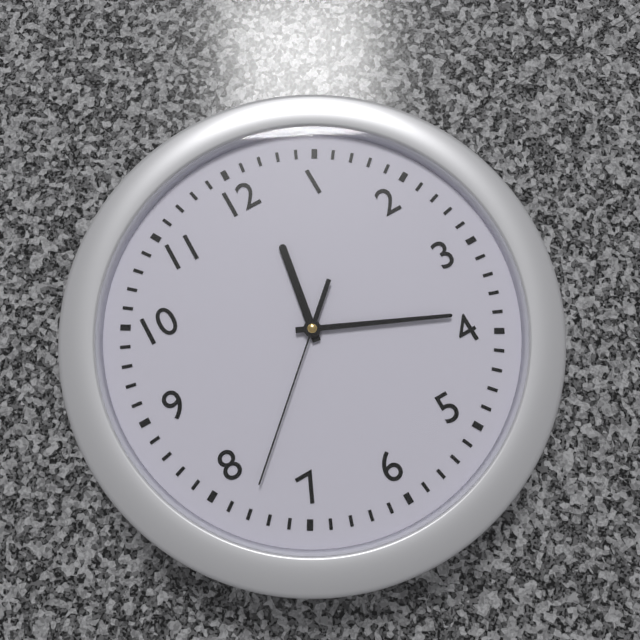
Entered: 12 h 19 min 38 s
